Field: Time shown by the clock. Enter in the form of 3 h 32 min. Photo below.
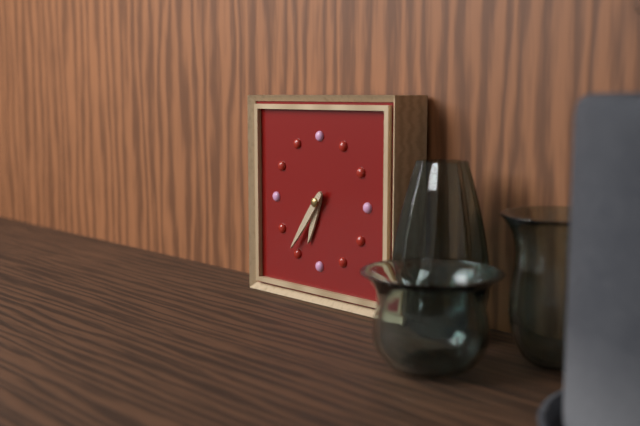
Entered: 6 h 36 min
